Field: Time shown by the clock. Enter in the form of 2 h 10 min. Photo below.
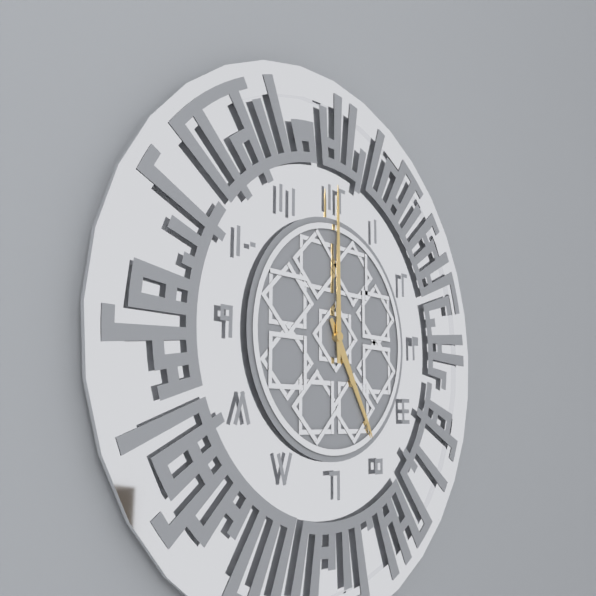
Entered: 5 h 00 min
